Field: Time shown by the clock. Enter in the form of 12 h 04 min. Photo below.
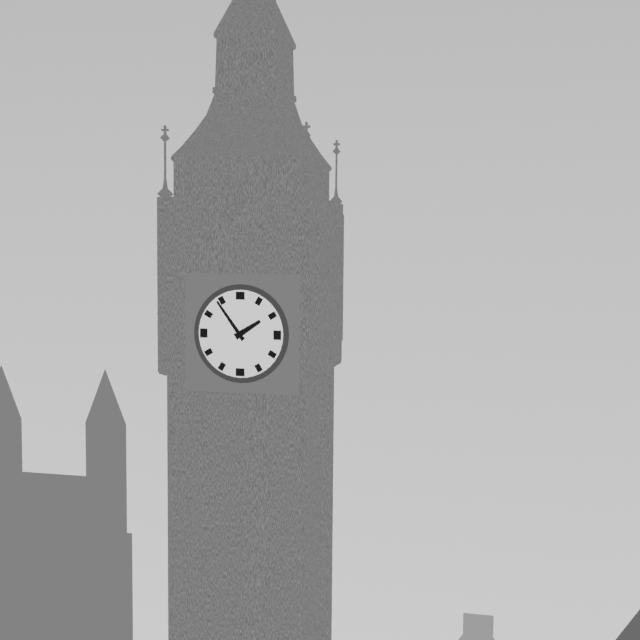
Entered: 1 h 54 min
